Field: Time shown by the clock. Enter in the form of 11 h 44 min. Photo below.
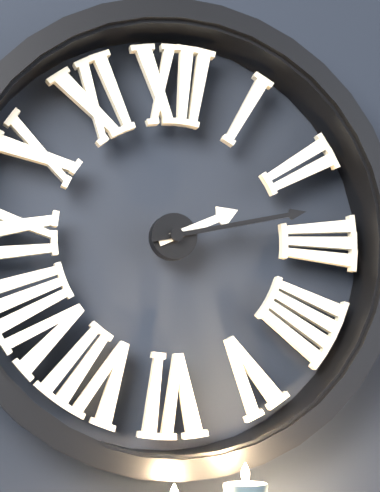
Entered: 2 h 13 min
